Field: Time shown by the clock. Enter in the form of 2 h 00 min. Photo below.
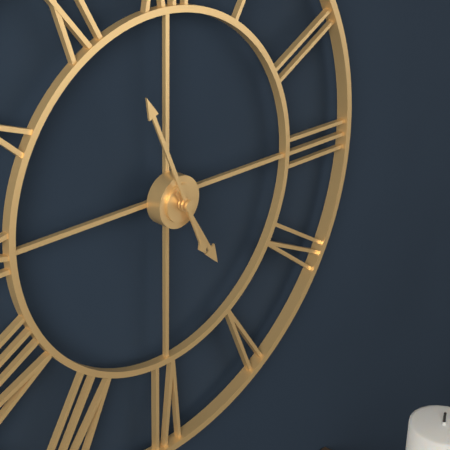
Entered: 4 h 56 min
